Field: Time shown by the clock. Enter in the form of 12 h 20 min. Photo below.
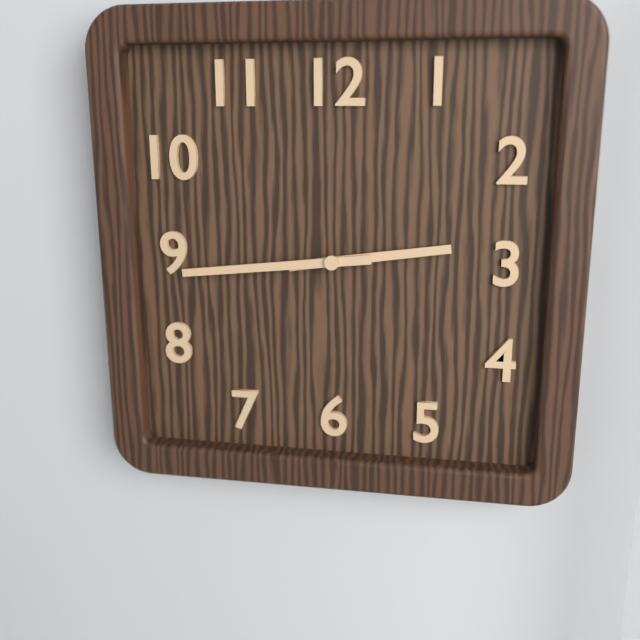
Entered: 2 h 44 min
